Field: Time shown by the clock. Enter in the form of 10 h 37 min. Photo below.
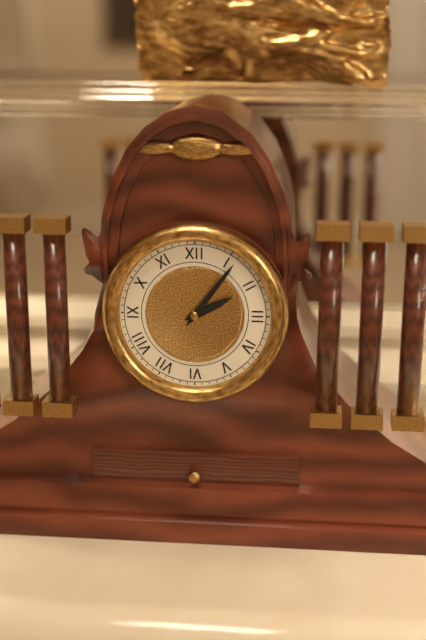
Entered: 2 h 06 min
